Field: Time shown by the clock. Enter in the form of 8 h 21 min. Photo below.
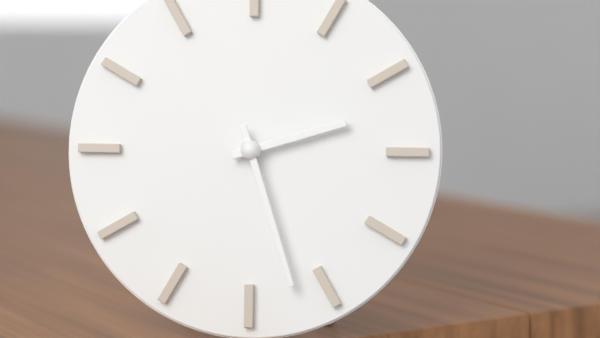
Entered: 2 h 27 min
